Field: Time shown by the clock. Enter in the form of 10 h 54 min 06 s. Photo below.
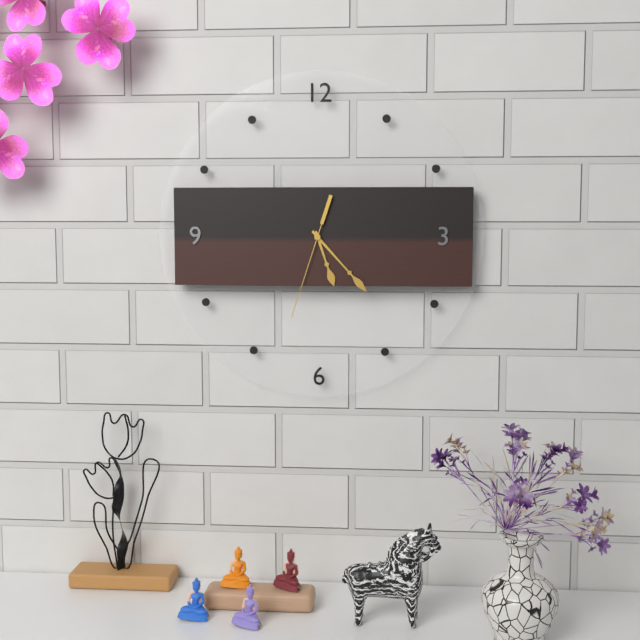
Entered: 5 h 23 min 33 s
